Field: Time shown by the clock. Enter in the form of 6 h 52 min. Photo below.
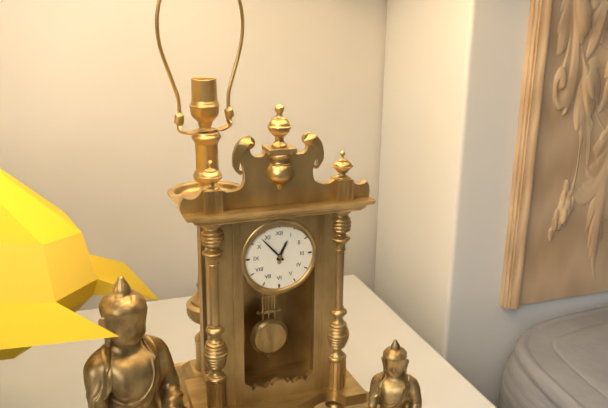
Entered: 12 h 53 min
